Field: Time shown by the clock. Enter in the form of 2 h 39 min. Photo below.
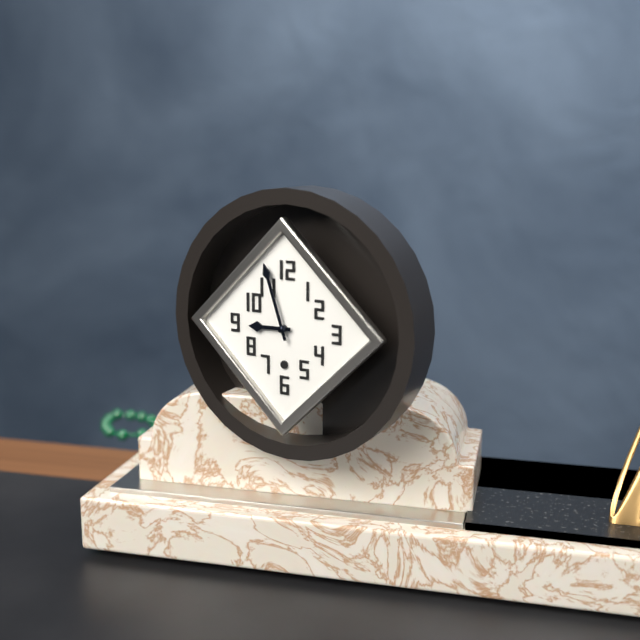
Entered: 8 h 57 min
